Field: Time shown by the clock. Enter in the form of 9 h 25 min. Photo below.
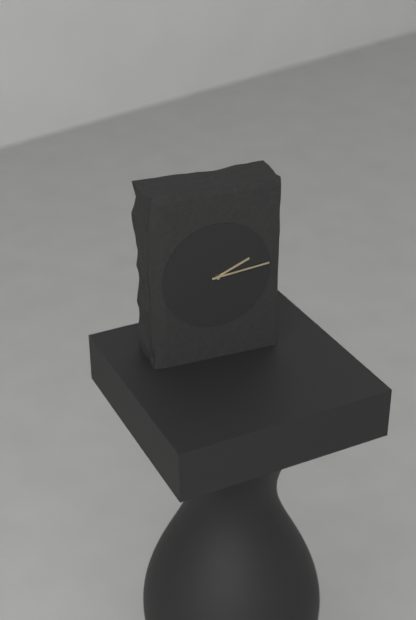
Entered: 2 h 14 min
